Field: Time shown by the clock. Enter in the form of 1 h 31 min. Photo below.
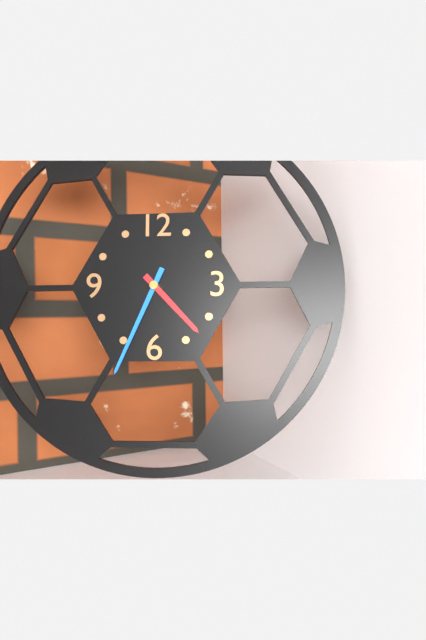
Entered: 4 h 34 min
